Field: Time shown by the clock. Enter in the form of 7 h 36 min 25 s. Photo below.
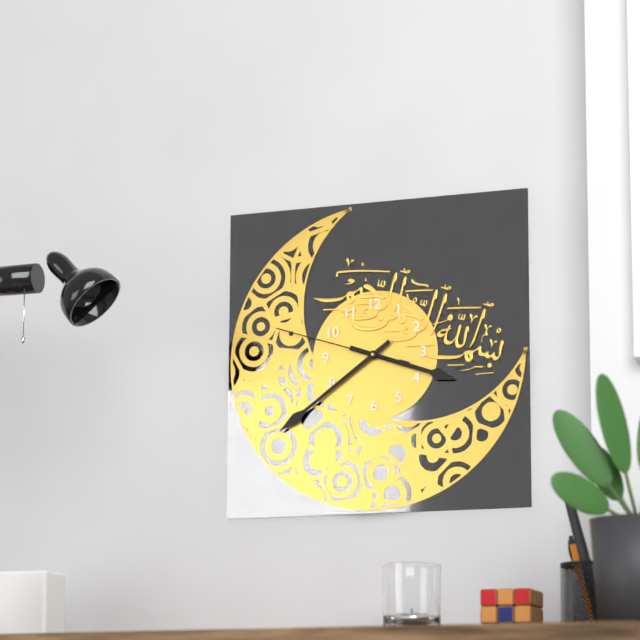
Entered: 3 h 39 min 48 s
